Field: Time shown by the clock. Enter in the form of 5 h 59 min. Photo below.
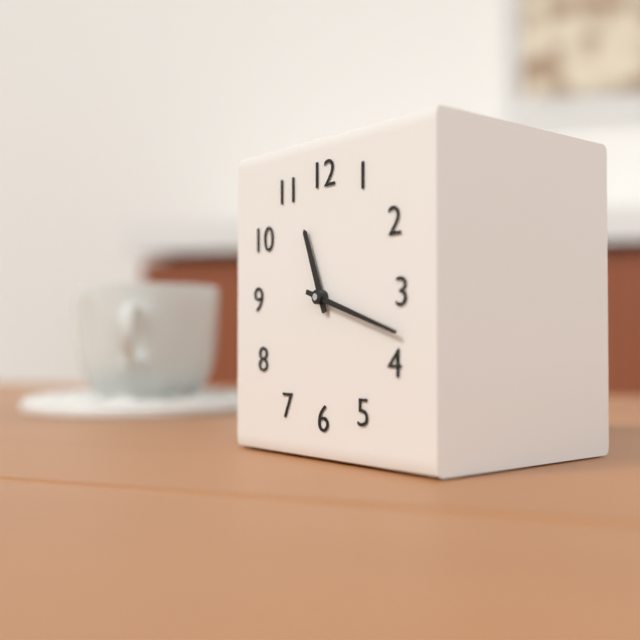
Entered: 11 h 18 min
